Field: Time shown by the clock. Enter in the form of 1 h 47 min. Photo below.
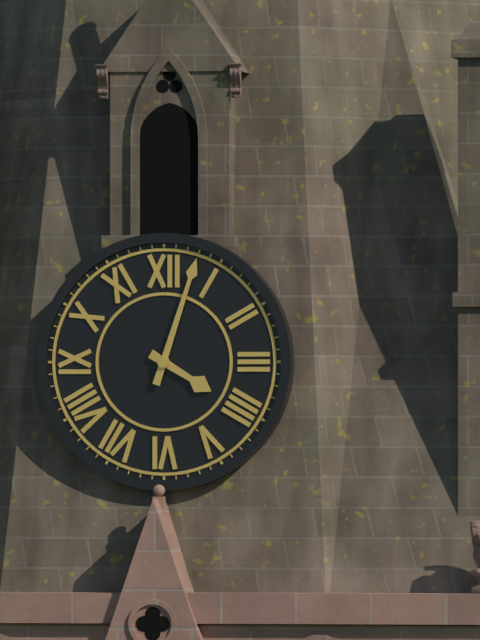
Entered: 4 h 03 min
